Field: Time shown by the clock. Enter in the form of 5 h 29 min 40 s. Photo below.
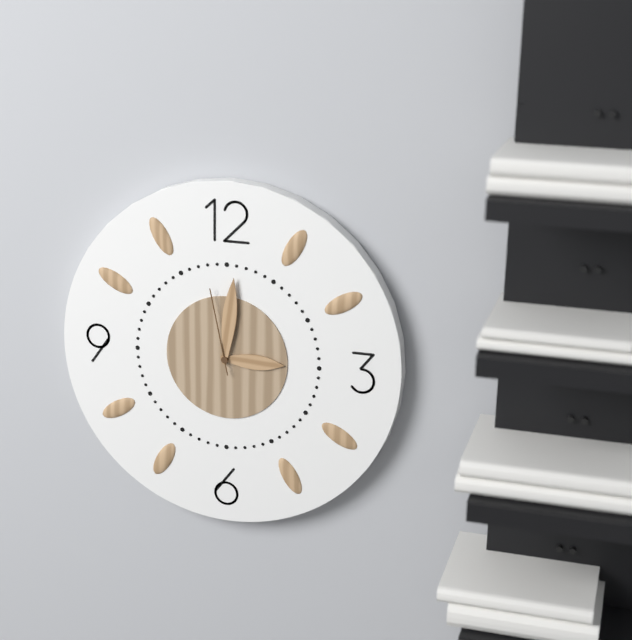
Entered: 3 h 01 min 58 s
